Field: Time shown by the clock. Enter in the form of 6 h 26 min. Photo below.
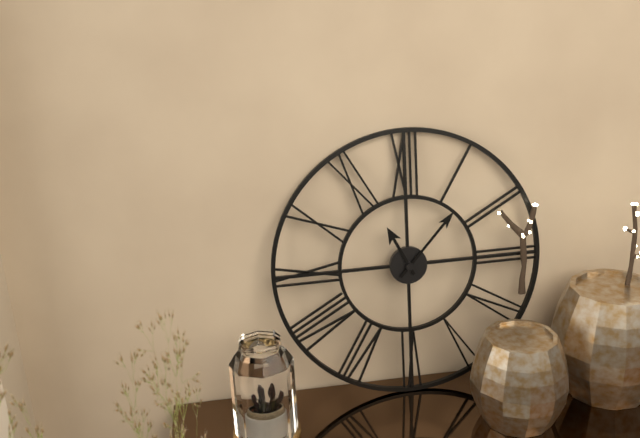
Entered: 11 h 07 min
